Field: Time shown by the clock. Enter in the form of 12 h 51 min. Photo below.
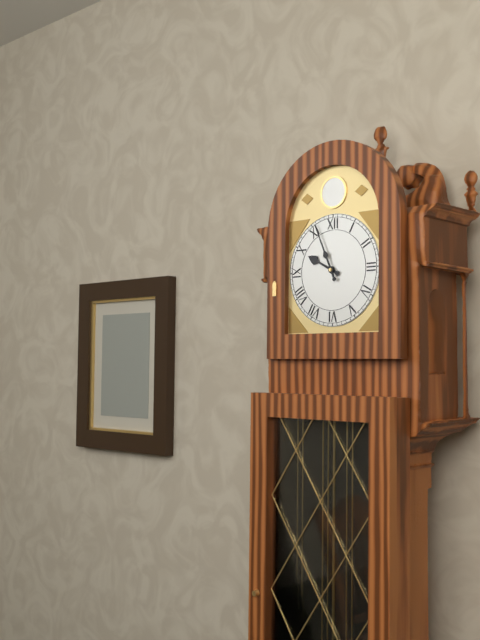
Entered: 9 h 56 min
